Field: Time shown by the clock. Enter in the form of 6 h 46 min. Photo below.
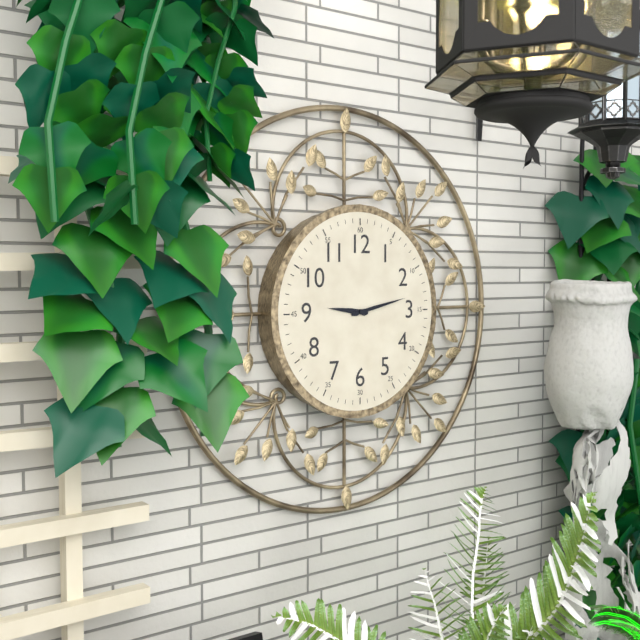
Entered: 9 h 13 min
